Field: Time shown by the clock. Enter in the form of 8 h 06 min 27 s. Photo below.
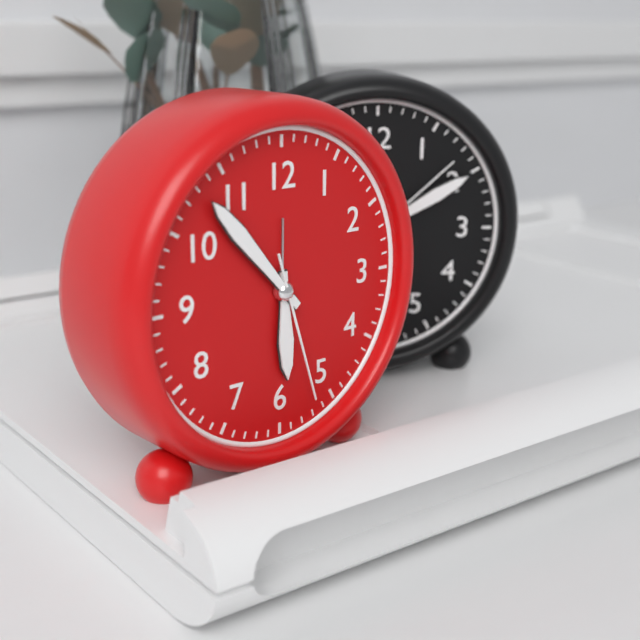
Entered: 5 h 53 min 27 s
